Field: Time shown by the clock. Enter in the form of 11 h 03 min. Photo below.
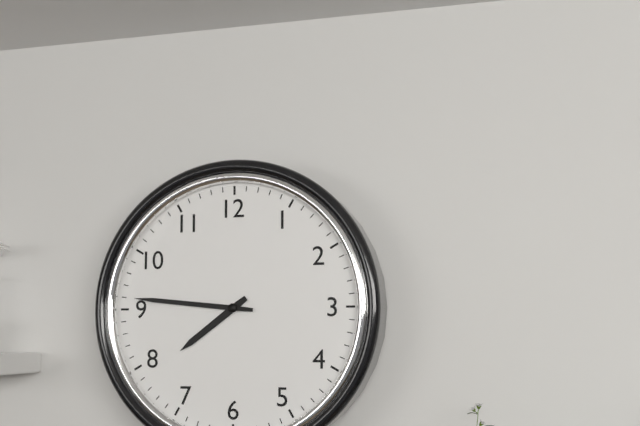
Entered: 7 h 46 min
